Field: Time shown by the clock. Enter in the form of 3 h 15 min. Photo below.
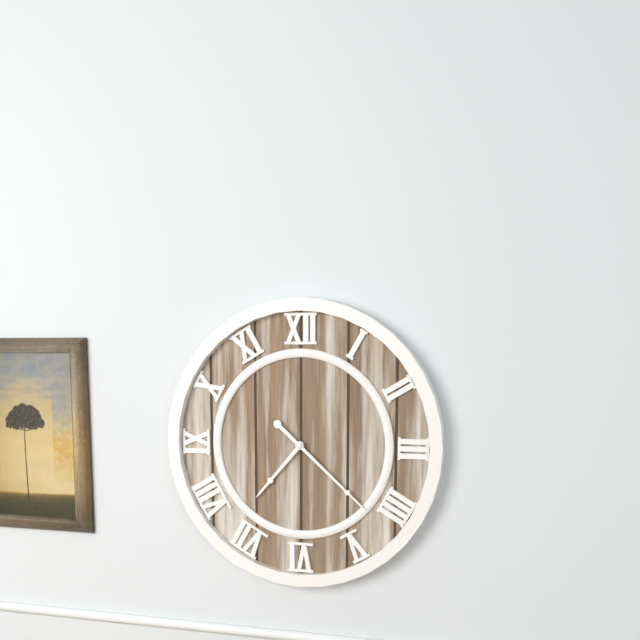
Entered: 7 h 22 min
